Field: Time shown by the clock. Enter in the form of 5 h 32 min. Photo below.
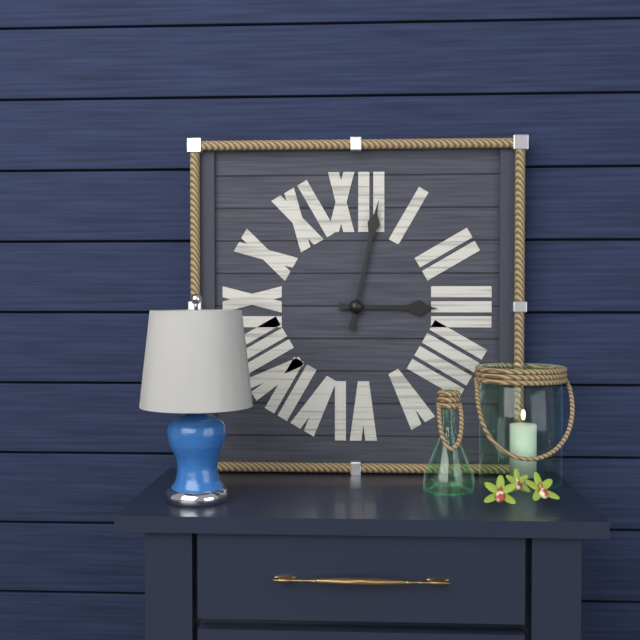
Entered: 3 h 02 min
